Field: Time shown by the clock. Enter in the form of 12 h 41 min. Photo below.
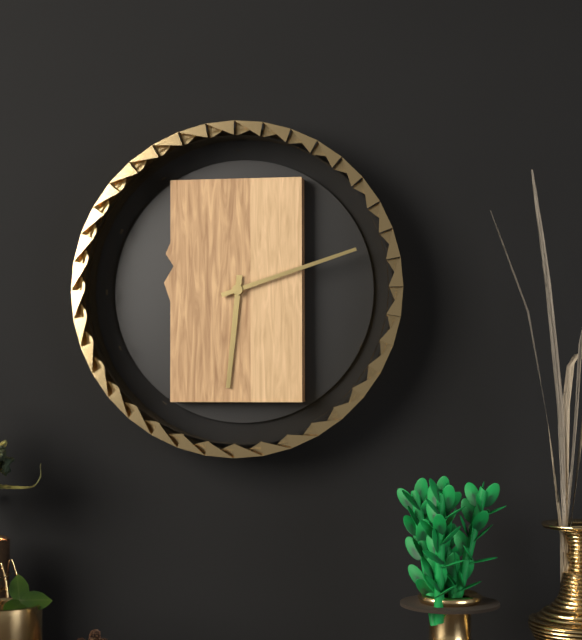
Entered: 6 h 12 min
